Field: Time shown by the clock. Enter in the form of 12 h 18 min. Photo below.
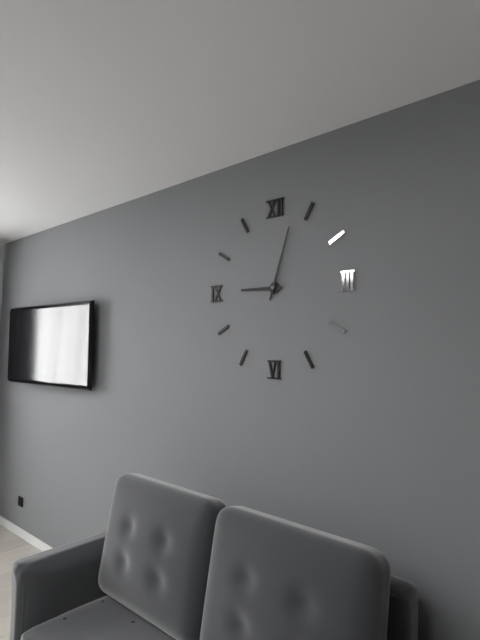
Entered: 9 h 03 min
